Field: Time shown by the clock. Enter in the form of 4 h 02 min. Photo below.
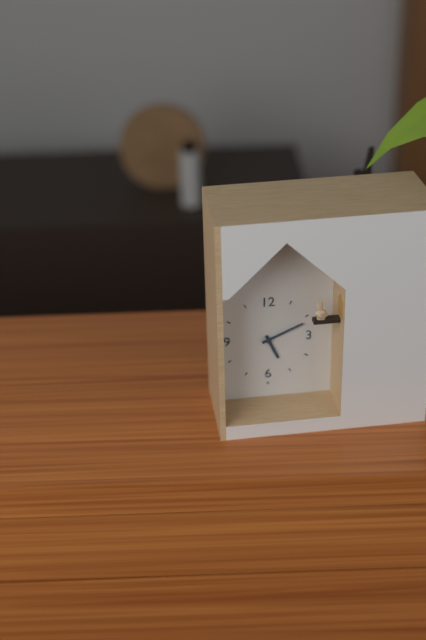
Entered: 5 h 11 min
